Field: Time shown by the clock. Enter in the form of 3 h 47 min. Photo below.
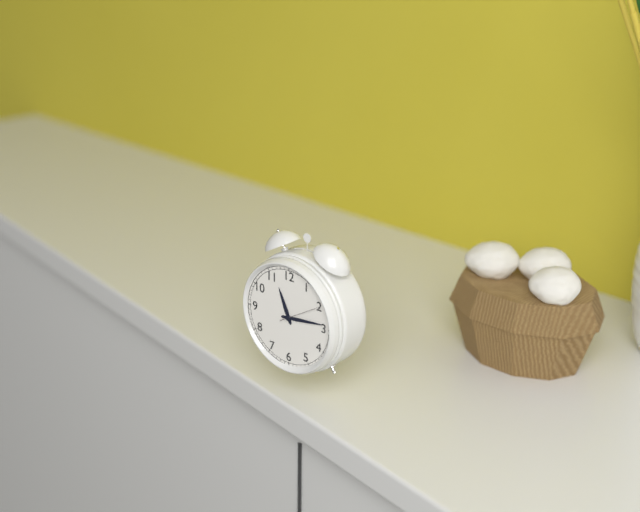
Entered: 11 h 14 min
